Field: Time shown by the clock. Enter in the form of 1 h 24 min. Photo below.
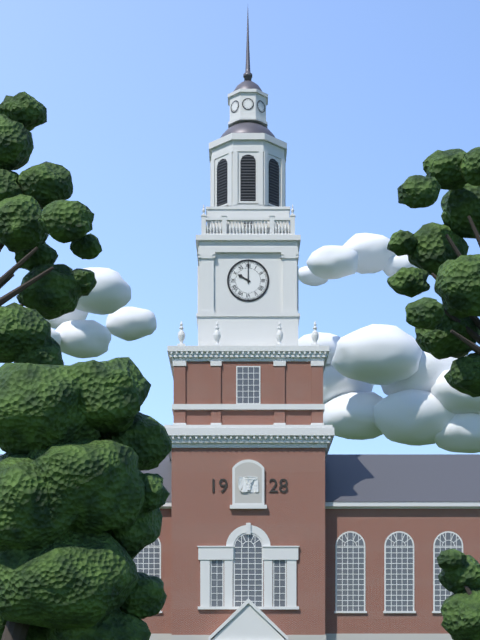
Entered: 10 h 00 min
